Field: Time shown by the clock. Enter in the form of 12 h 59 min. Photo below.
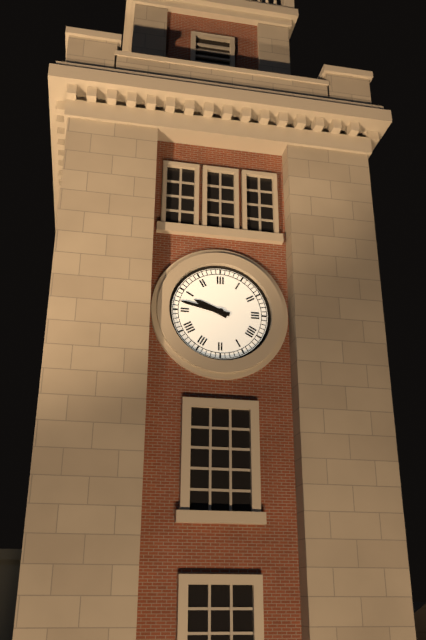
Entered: 9 h 47 min
